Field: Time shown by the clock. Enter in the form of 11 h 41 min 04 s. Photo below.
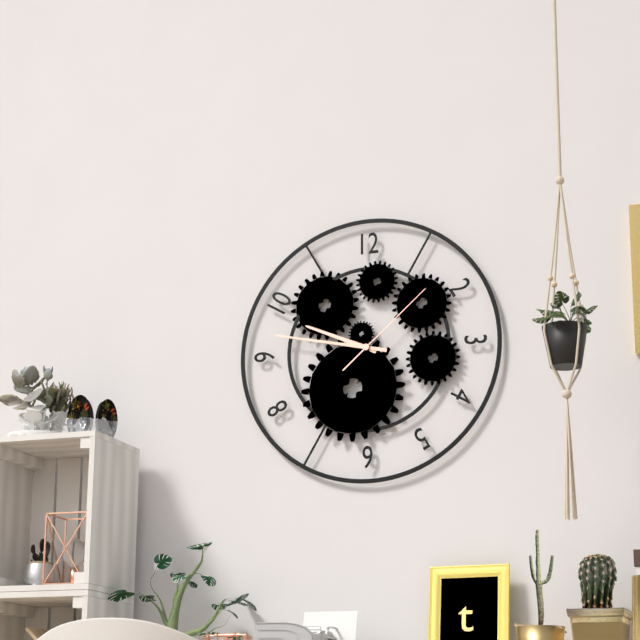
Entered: 9 h 47 min 08 s
